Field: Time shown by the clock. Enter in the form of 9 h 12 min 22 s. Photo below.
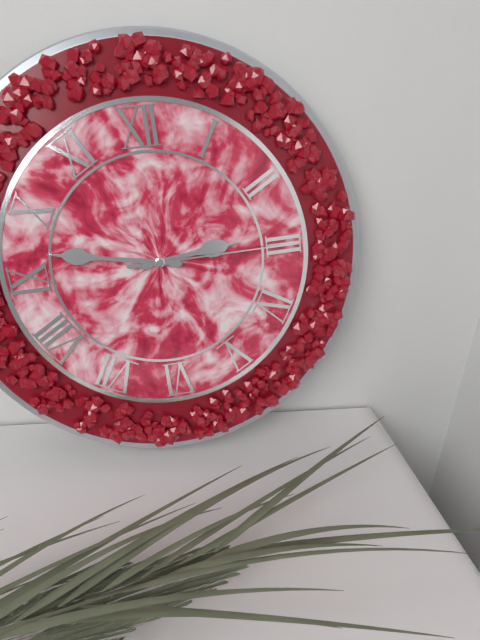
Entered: 2 h 47 min 15 s
